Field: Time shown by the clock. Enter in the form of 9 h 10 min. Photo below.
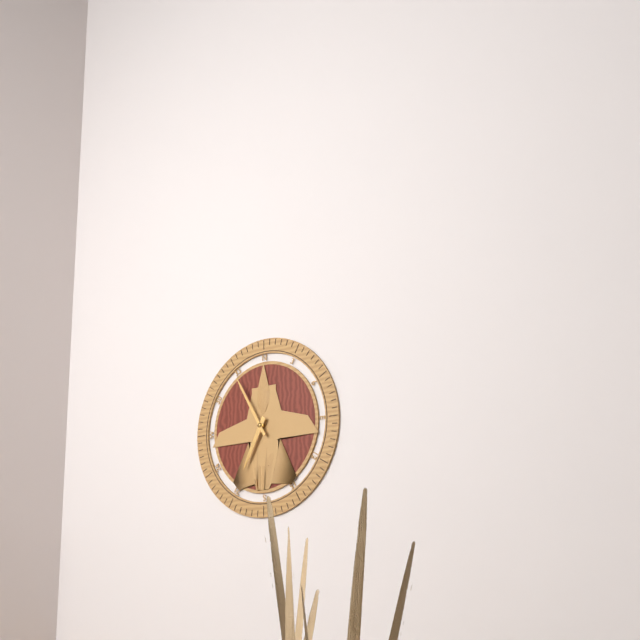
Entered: 6 h 55 min
